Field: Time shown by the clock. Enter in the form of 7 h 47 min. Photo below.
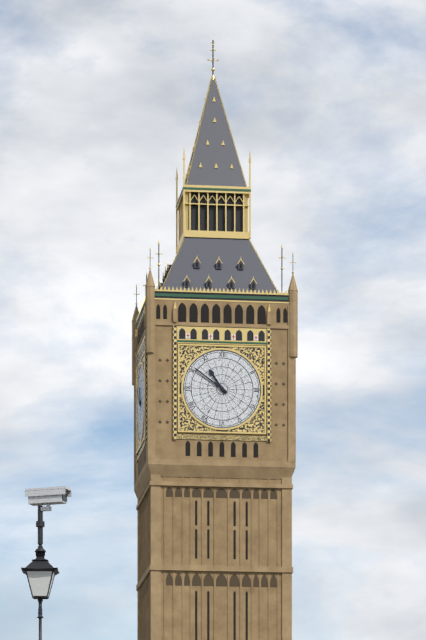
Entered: 10 h 51 min
